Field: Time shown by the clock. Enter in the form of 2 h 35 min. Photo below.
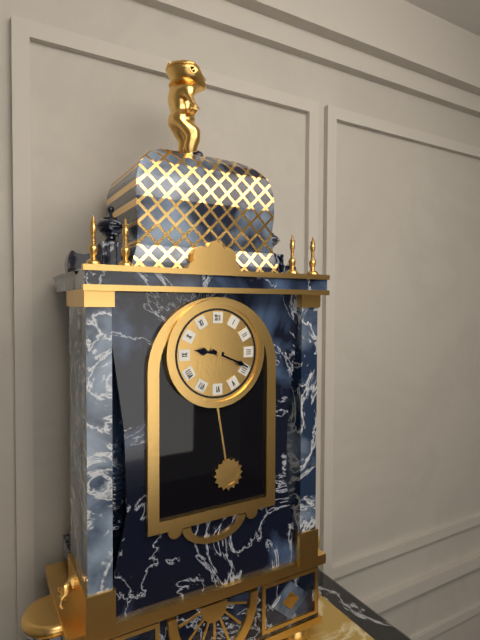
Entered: 9 h 19 min
